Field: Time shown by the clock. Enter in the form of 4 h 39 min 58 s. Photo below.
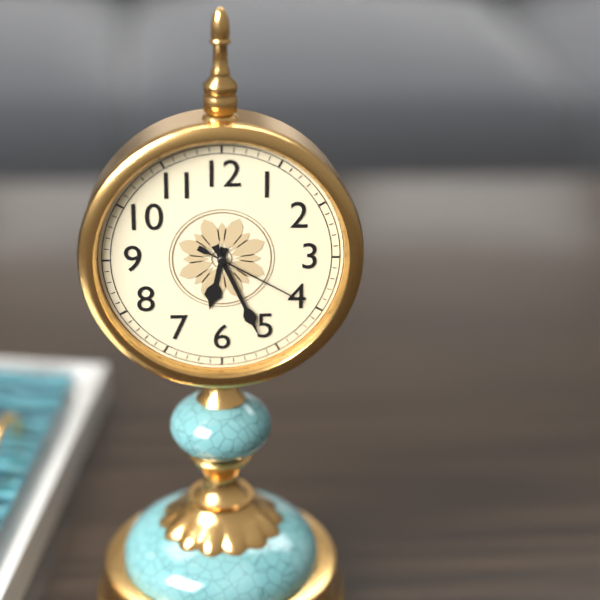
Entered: 6 h 26 min 20 s
